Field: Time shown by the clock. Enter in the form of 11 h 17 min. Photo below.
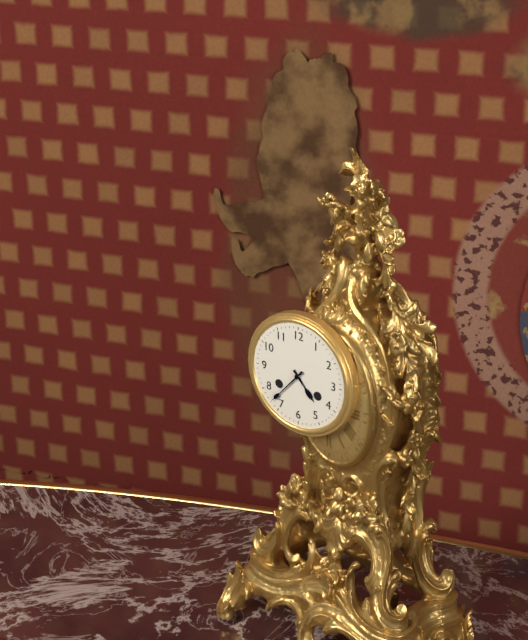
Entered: 4 h 37 min
